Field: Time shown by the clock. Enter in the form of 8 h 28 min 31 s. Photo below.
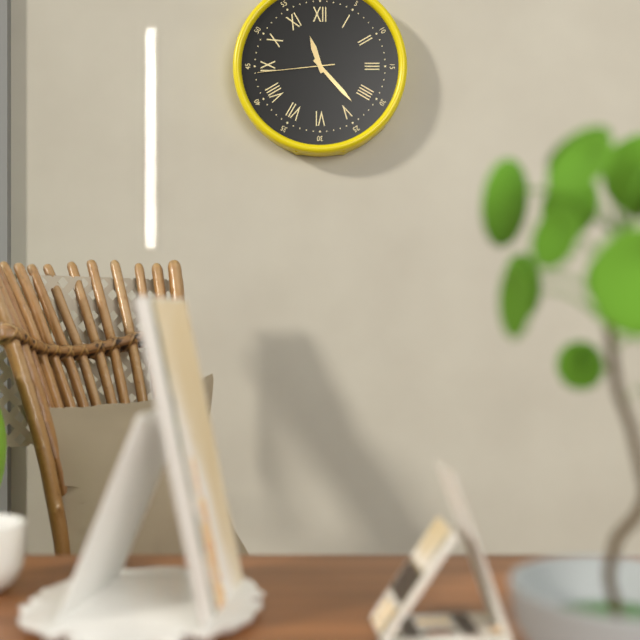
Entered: 11 h 23 min 44 s
